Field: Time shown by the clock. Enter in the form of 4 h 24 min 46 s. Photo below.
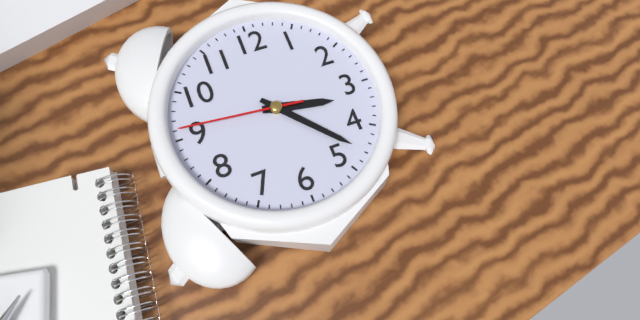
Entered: 3 h 23 min 46 s
